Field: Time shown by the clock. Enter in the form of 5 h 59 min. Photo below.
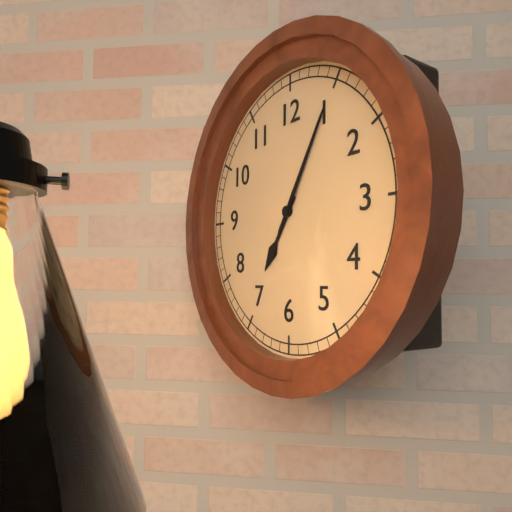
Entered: 7 h 05 min
